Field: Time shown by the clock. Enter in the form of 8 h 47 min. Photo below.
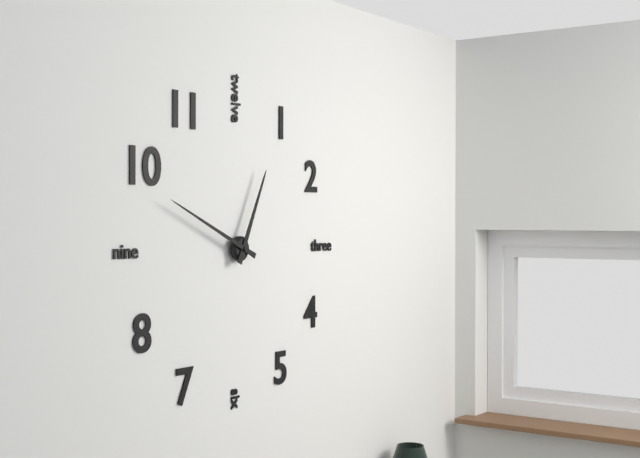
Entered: 12 h 49 min
